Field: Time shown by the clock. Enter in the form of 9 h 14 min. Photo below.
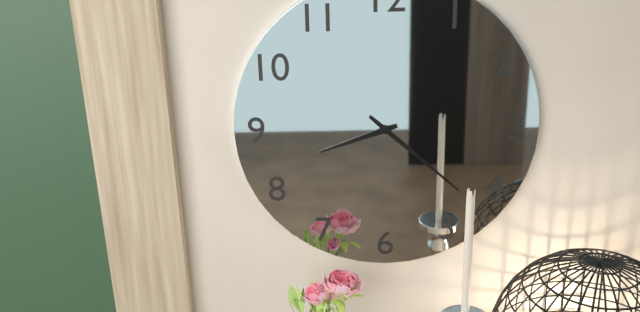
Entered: 8 h 22 min
